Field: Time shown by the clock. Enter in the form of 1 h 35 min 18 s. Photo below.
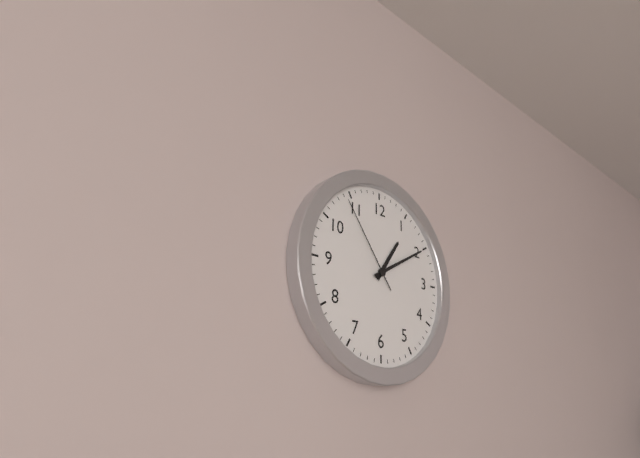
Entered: 1 h 10 min 54 s
